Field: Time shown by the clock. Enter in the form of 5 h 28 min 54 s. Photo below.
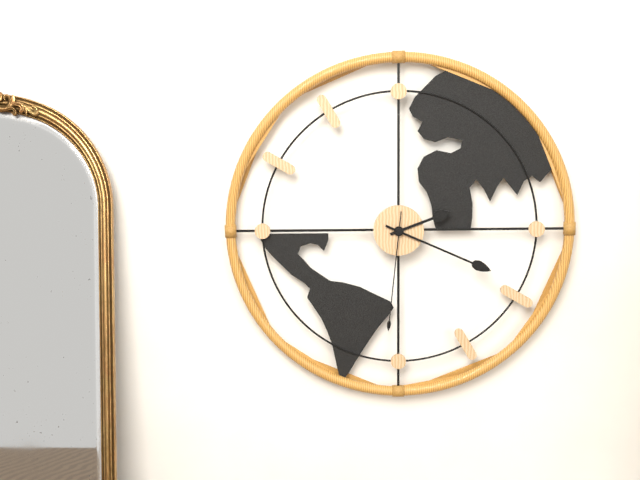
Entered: 2 h 19 min 31 s
